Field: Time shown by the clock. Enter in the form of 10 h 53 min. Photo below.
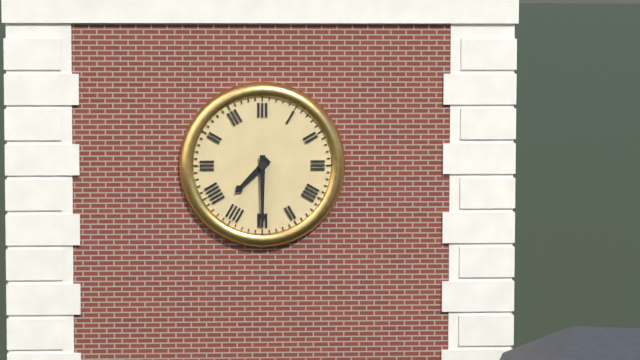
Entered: 7 h 30 min
